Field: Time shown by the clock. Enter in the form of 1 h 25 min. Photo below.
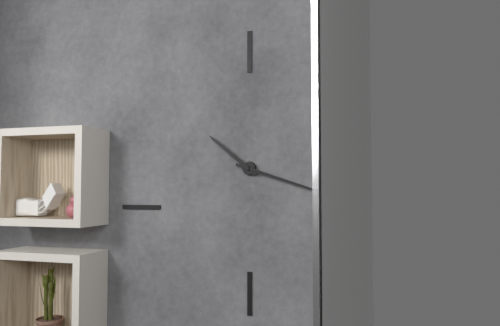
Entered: 10 h 18 min
